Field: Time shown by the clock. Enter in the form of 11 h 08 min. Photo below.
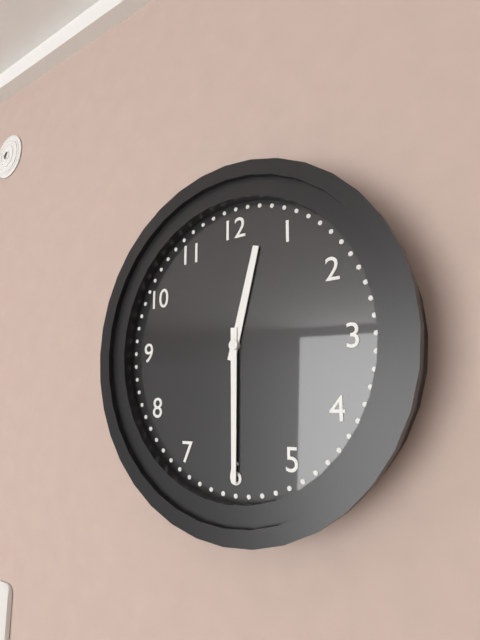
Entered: 12 h 30 min
